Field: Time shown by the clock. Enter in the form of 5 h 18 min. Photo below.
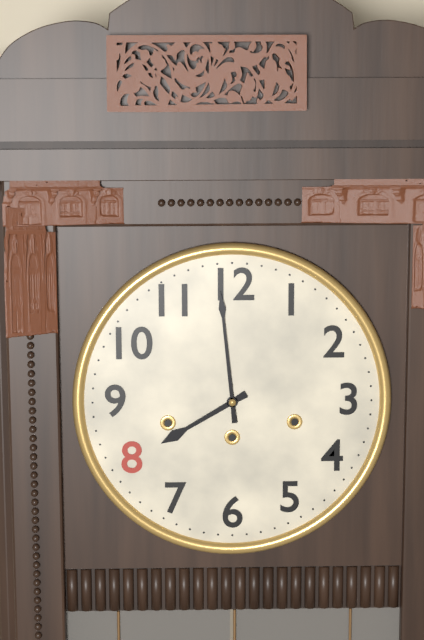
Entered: 7 h 59 min
